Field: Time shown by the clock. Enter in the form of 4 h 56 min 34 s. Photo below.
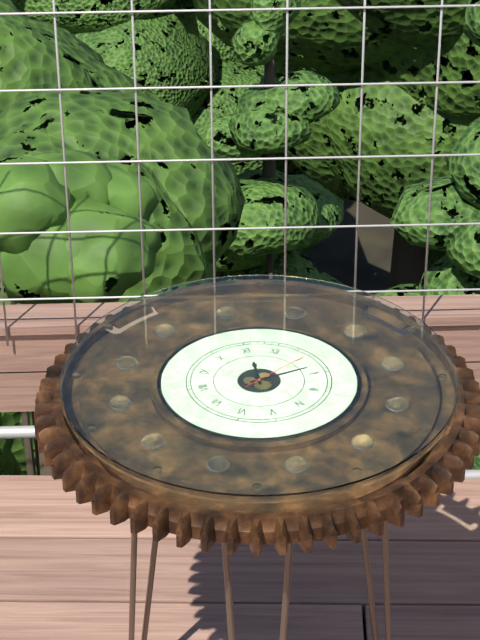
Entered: 11 h 08 min 05 s
